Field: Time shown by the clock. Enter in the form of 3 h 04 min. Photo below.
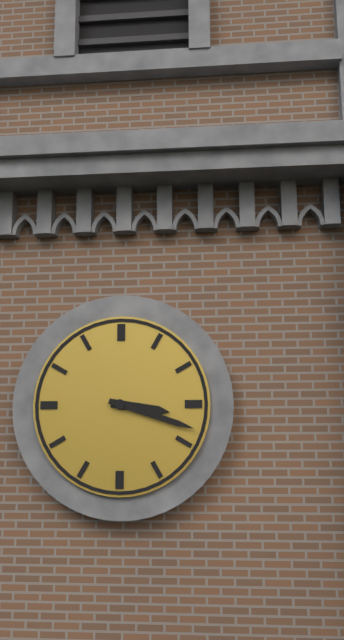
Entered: 3 h 18 min
